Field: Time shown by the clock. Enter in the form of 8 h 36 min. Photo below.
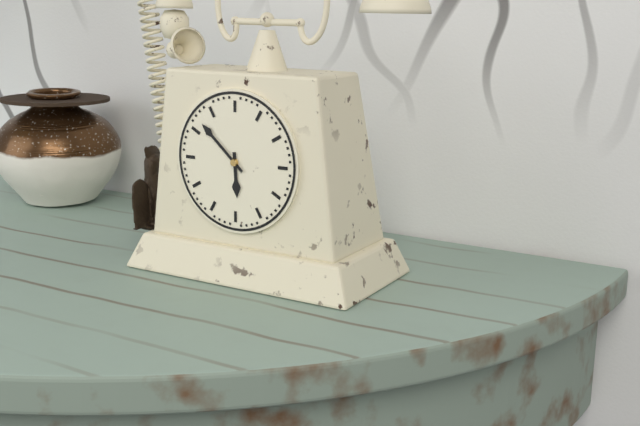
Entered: 5 h 52 min
